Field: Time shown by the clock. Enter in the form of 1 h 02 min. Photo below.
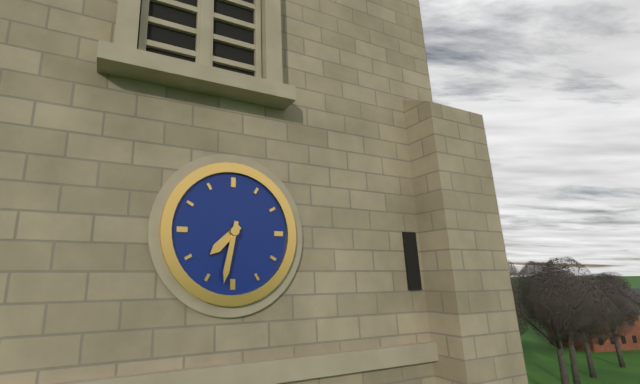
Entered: 7 h 32 min
